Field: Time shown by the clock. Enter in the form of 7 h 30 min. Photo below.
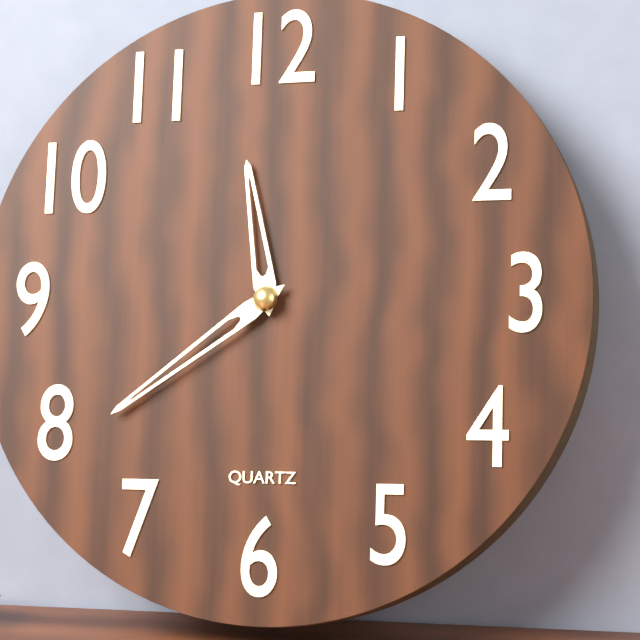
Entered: 11 h 39 min
